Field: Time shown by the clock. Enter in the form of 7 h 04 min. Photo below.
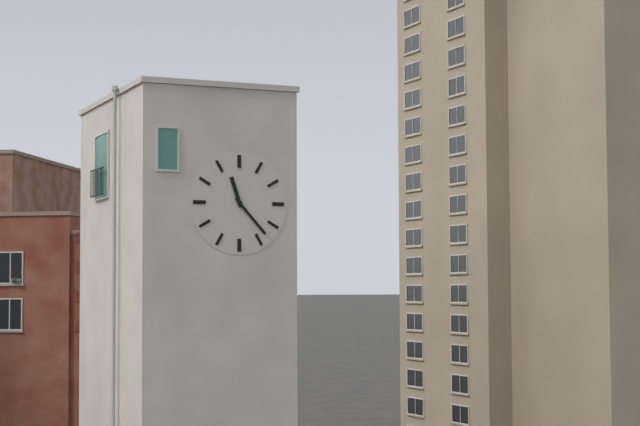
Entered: 11 h 23 min
